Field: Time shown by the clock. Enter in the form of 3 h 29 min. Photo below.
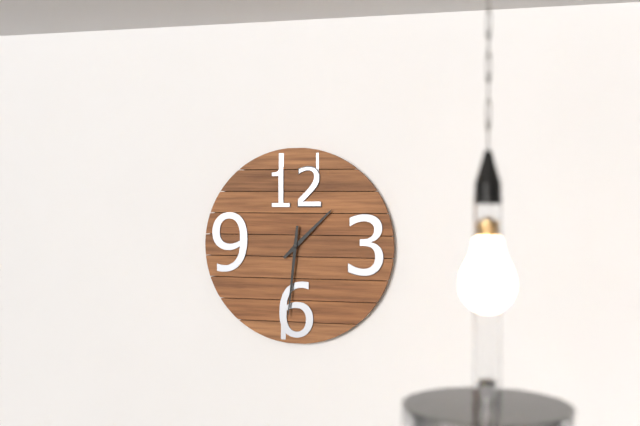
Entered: 1 h 31 min
